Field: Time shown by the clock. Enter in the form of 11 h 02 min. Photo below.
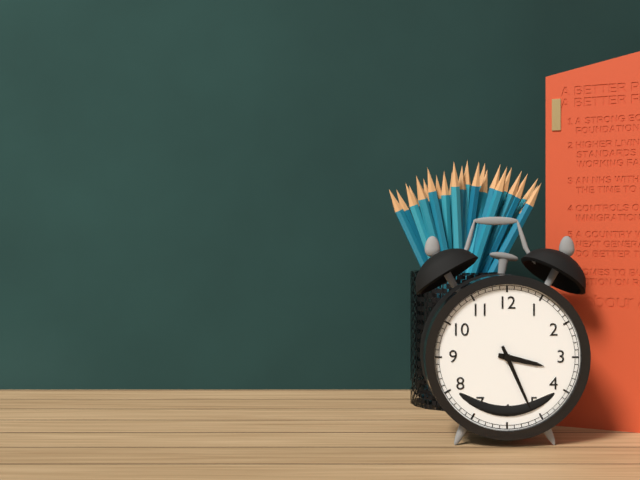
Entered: 3 h 26 min
